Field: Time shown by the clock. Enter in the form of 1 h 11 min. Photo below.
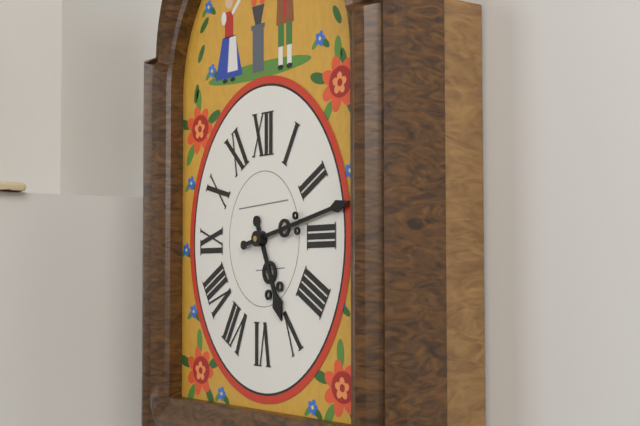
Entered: 5 h 13 min
